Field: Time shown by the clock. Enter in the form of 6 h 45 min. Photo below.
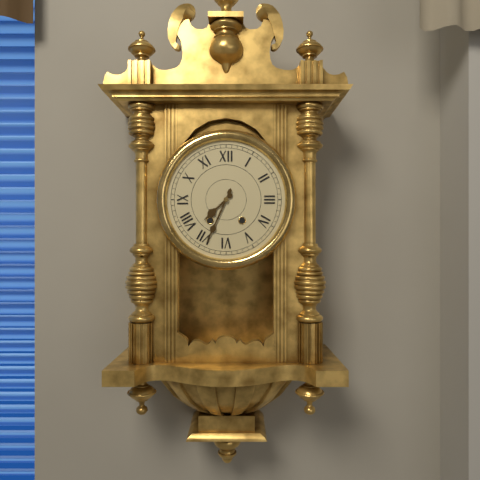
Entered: 7 h 34 min
